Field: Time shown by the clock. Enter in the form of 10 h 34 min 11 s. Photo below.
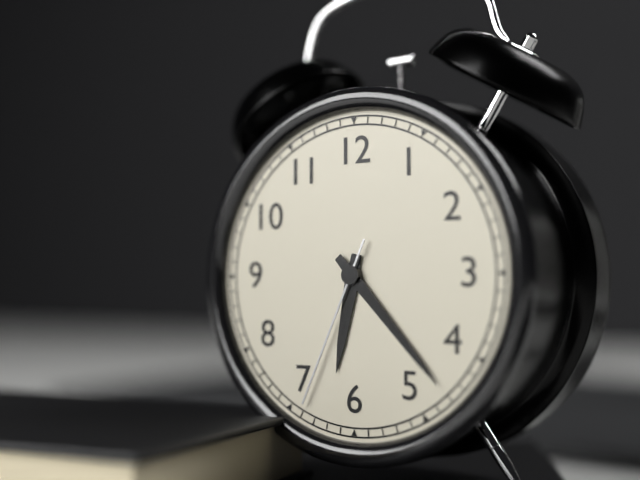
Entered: 6 h 23 min 34 s
